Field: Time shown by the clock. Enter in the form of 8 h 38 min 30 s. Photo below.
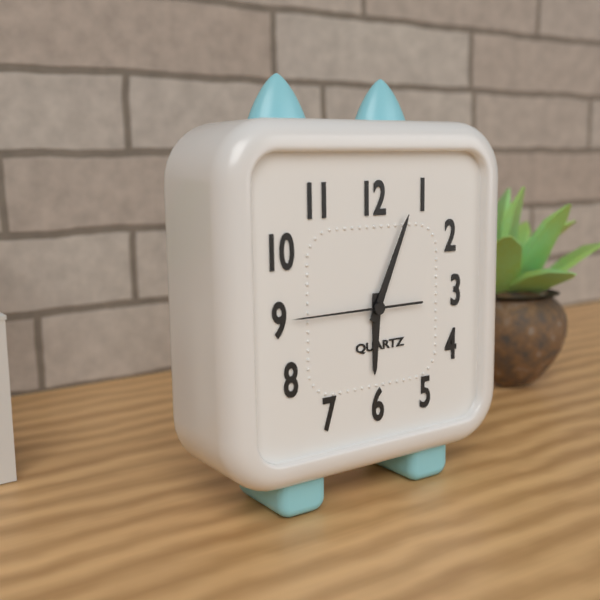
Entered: 6 h 04 min 45 s
